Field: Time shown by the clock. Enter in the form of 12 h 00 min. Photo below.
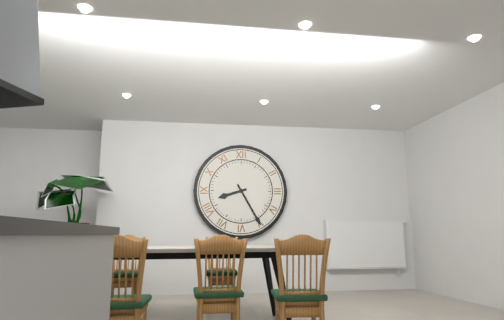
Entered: 8 h 25 min
